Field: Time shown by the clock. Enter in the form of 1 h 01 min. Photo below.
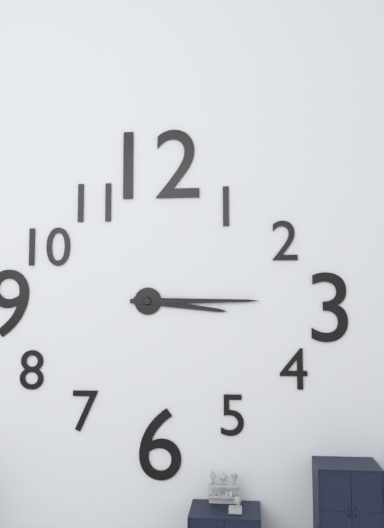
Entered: 3 h 15 min
